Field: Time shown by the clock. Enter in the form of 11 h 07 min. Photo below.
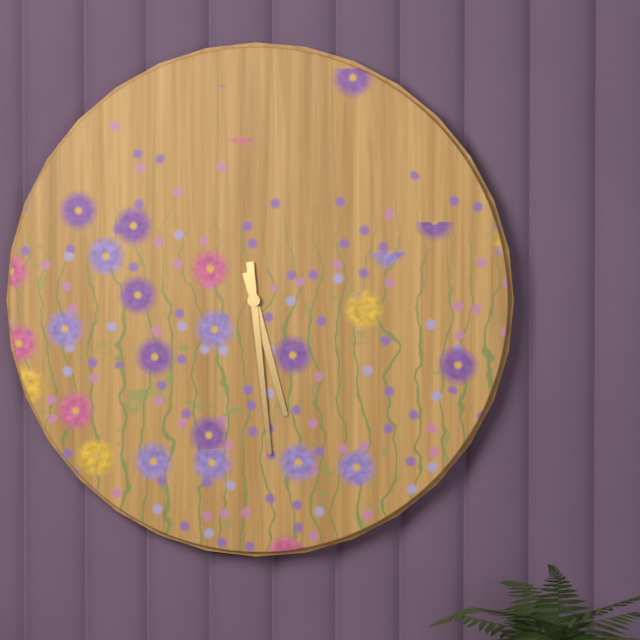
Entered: 5 h 29 min
